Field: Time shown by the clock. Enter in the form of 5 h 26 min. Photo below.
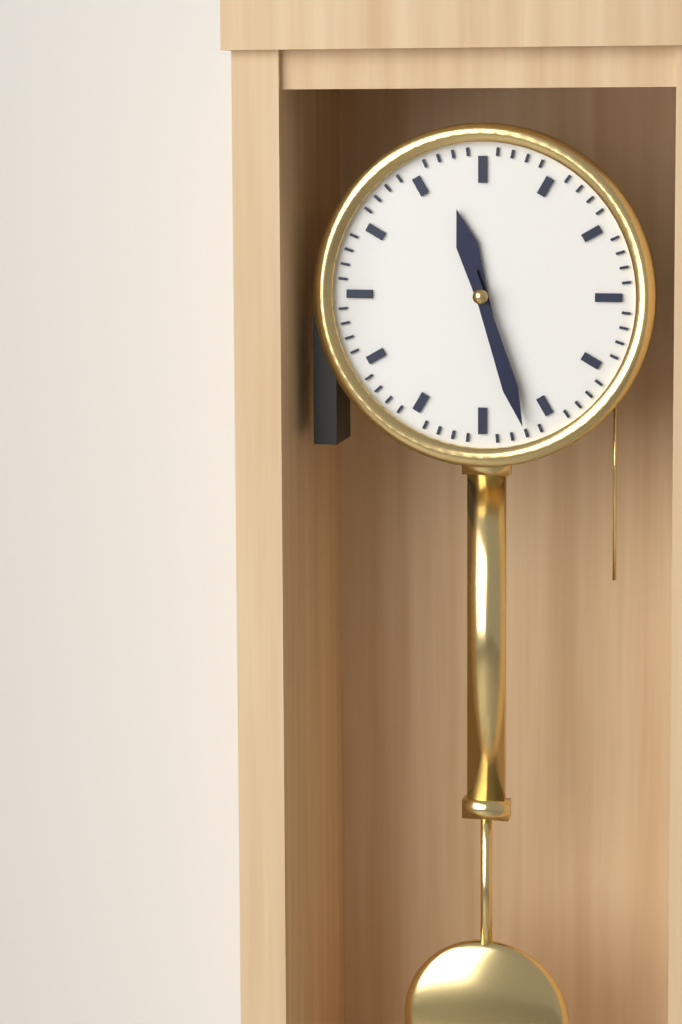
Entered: 11 h 27 min
